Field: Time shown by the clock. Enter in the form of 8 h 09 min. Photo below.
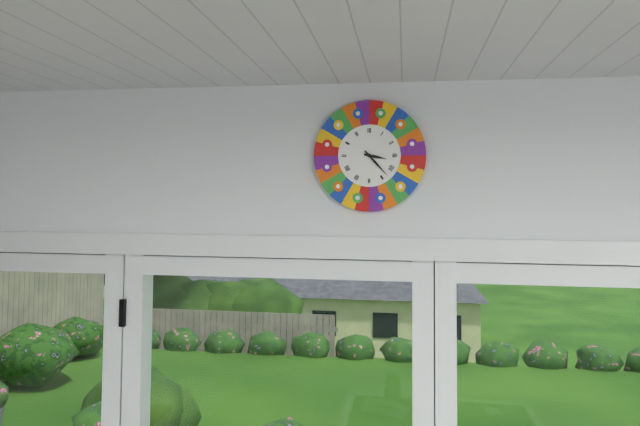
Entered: 3 h 23 min
